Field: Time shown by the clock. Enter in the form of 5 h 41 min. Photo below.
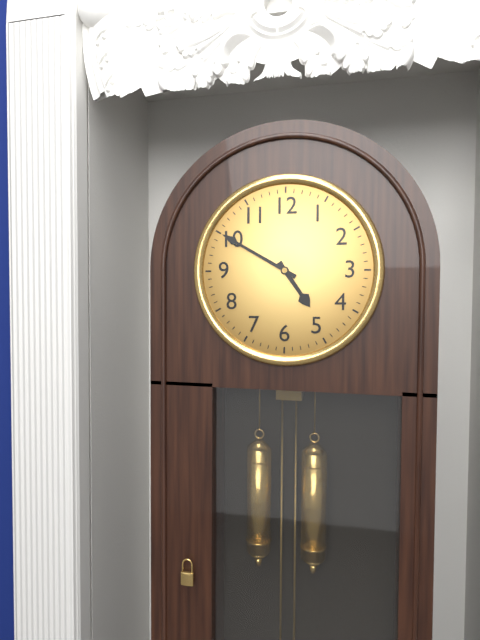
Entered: 4 h 50 min
